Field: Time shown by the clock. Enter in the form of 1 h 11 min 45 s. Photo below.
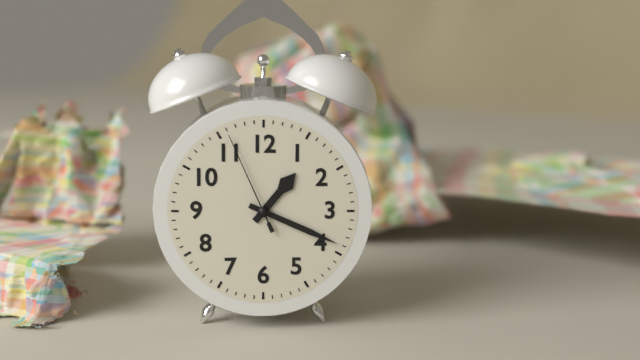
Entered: 1 h 19 min 56 s
